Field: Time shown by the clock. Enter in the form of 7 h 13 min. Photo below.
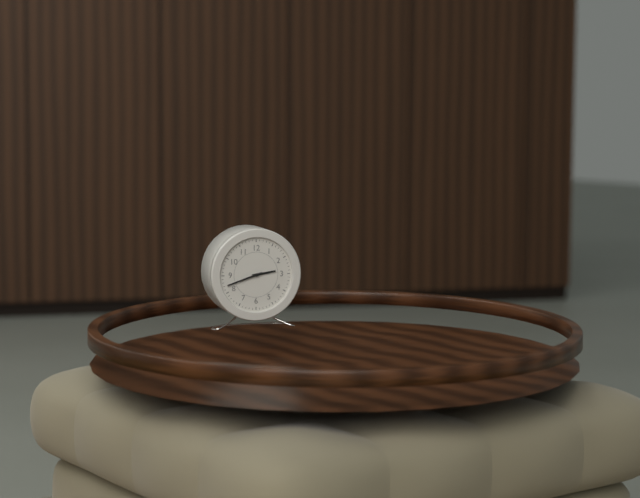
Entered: 2 h 42 min
